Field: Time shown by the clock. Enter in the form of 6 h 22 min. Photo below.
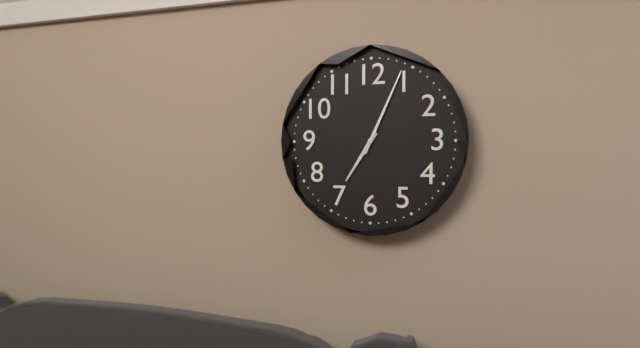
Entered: 7 h 04 min
